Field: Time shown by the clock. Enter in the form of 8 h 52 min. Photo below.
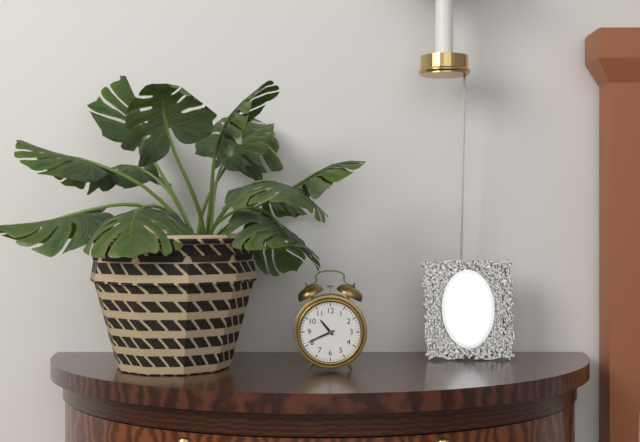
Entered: 10 h 41 min
